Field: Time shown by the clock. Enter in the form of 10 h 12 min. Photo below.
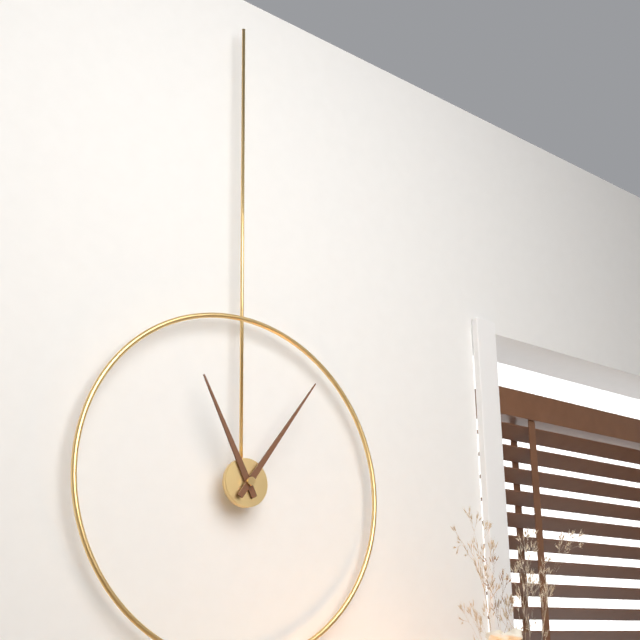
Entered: 11 h 06 min
